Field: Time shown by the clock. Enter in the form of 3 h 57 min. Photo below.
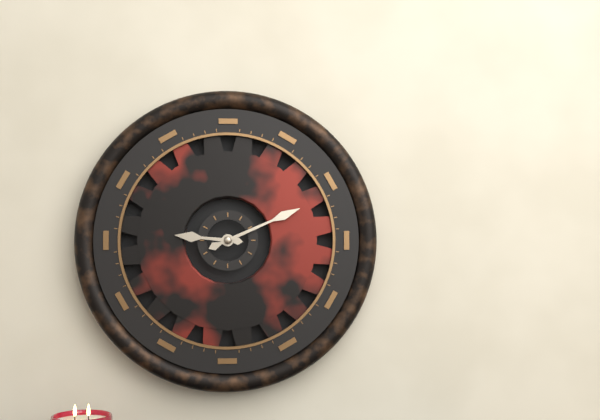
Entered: 9 h 11 min
